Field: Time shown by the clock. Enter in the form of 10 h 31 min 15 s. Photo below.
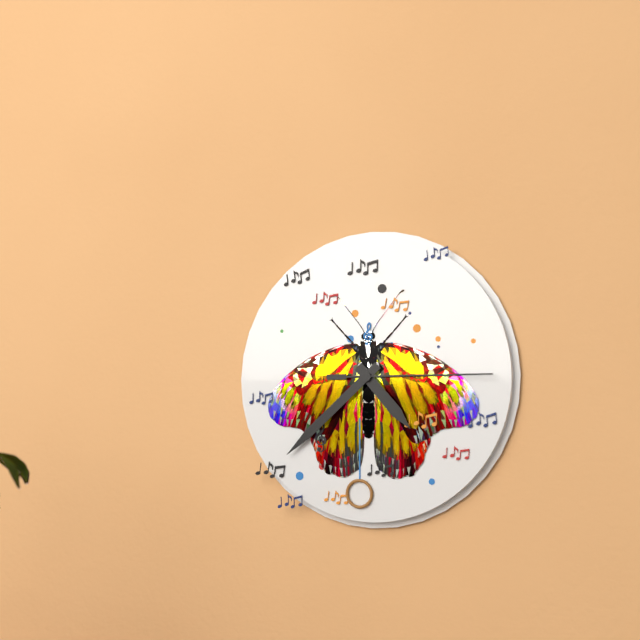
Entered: 4 h 38 min 15 s
